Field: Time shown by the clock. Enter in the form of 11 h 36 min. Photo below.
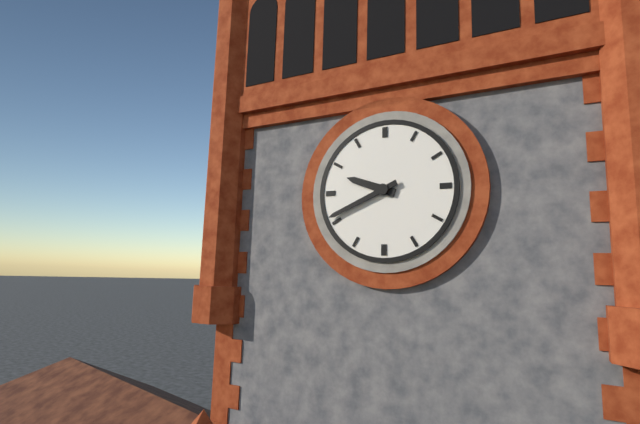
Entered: 9 h 41 min
